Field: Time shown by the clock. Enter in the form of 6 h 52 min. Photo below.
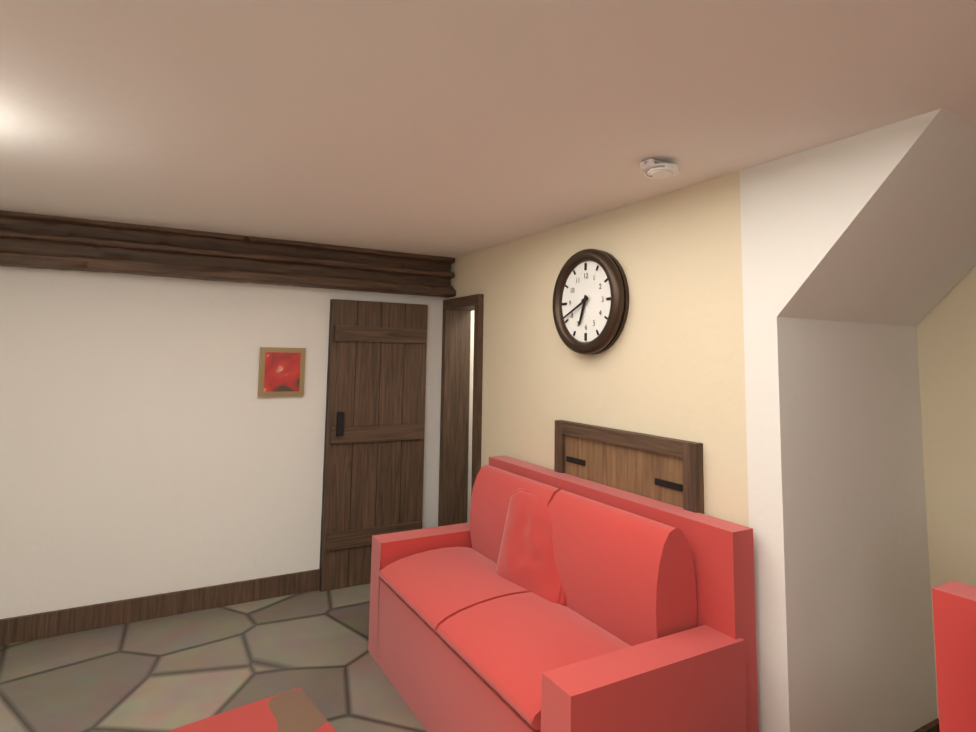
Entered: 6 h 41 min
